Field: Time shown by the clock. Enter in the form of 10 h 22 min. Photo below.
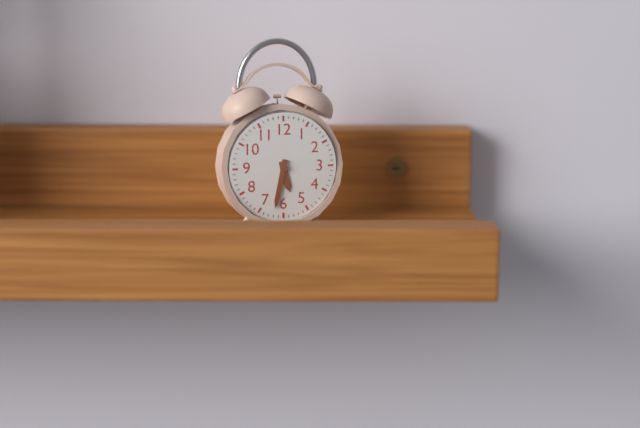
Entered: 5 h 32 min
